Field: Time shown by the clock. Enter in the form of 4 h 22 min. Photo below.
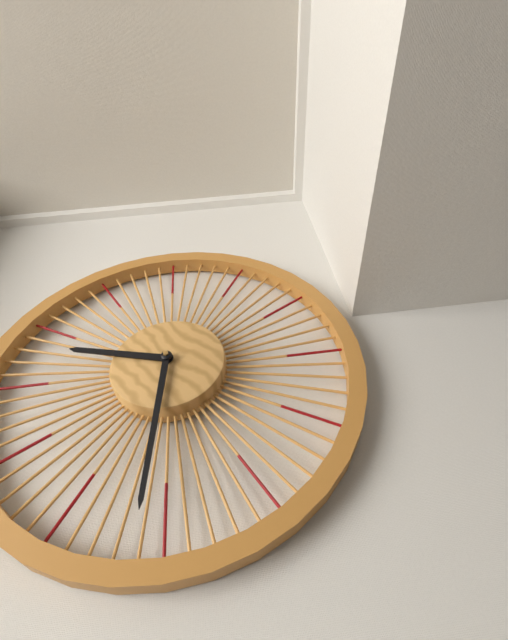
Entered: 9 h 31 min
